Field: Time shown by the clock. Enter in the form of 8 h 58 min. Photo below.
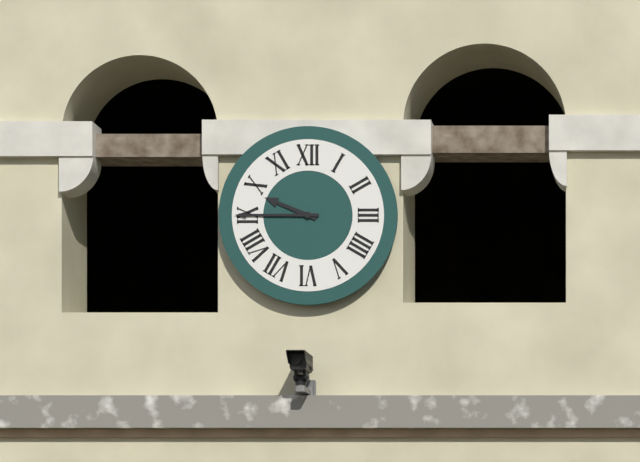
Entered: 9 h 45 min
